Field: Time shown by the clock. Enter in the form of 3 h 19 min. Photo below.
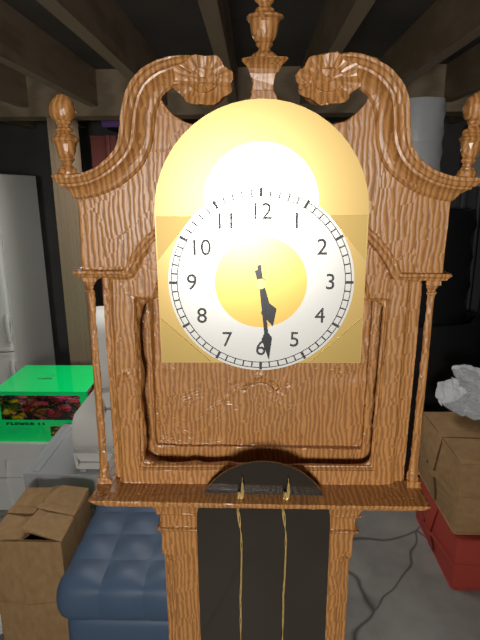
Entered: 5 h 29 min
